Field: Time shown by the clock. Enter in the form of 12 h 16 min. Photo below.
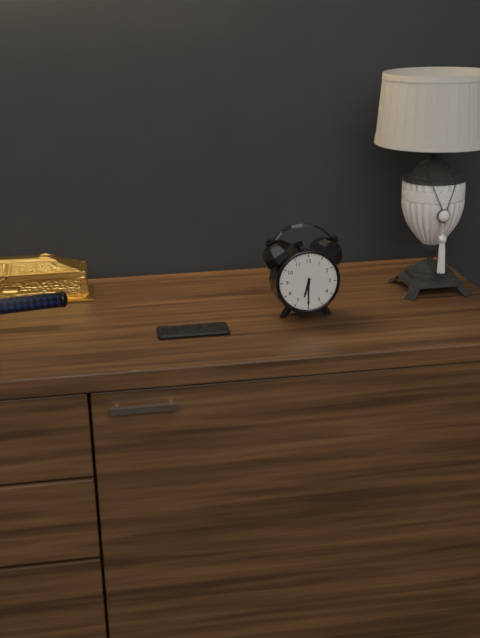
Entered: 6 h 30 min
